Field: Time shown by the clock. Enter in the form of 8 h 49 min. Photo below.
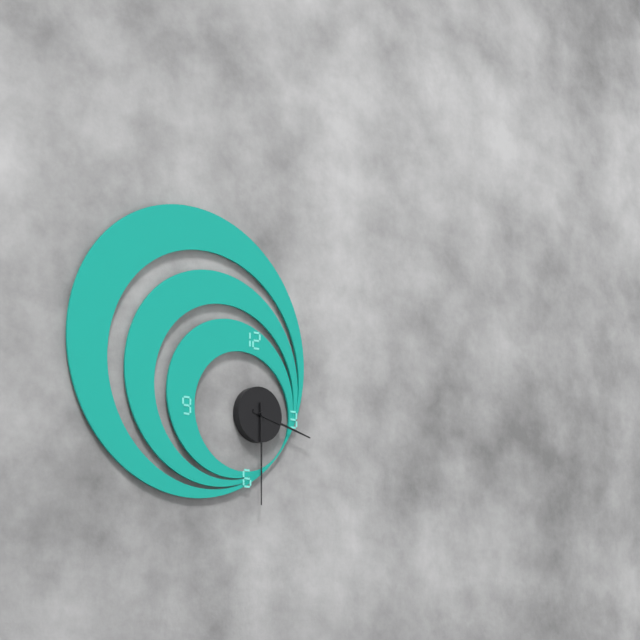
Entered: 3 h 30 min
